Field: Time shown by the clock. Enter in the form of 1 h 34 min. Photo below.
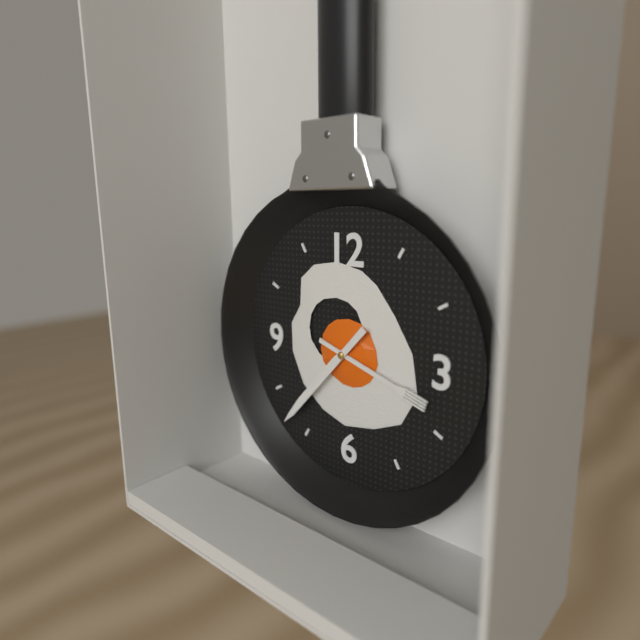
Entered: 3 h 37 min
